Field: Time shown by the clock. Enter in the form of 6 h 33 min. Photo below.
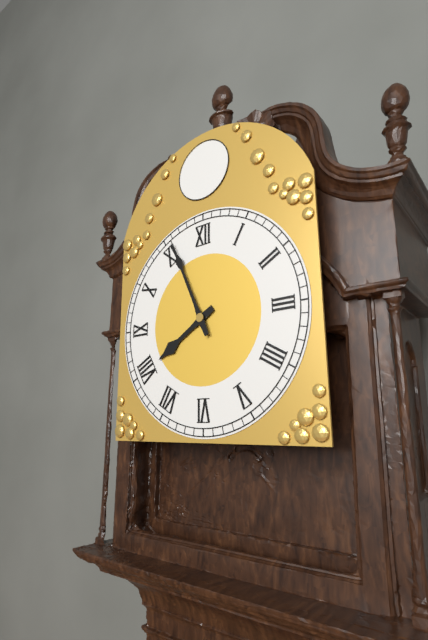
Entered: 7 h 56 min
